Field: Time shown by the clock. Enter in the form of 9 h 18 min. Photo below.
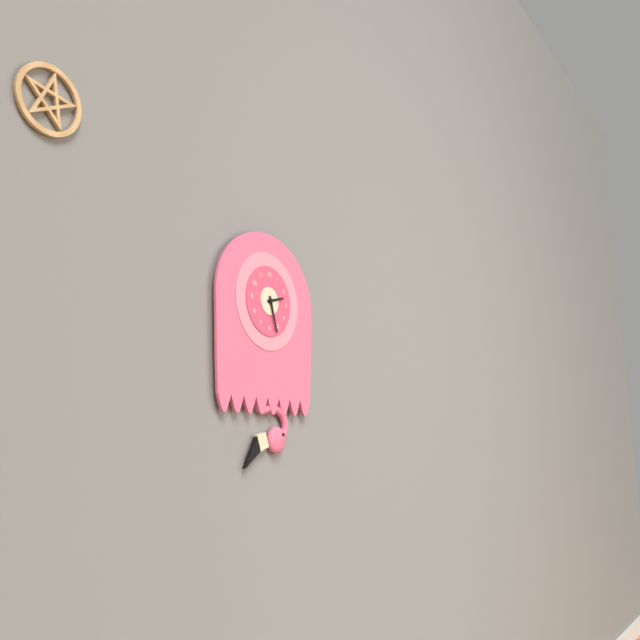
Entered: 2 h 27 min
